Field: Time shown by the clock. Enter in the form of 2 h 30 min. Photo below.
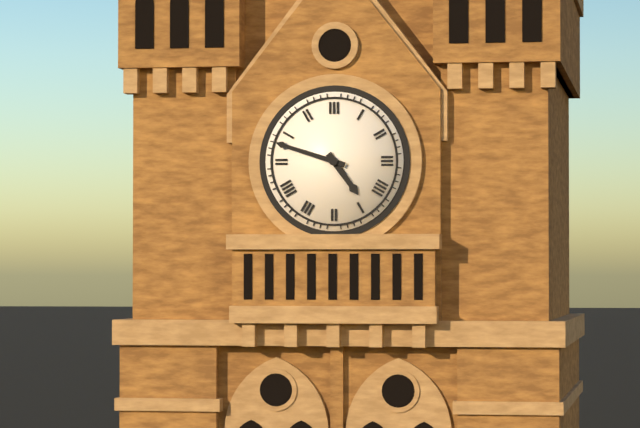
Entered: 4 h 48 min
